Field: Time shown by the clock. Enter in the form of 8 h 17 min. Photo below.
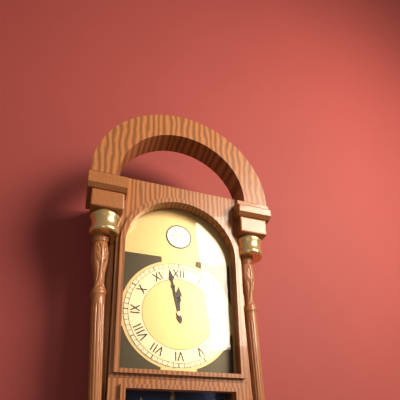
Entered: 11 h 58 min
